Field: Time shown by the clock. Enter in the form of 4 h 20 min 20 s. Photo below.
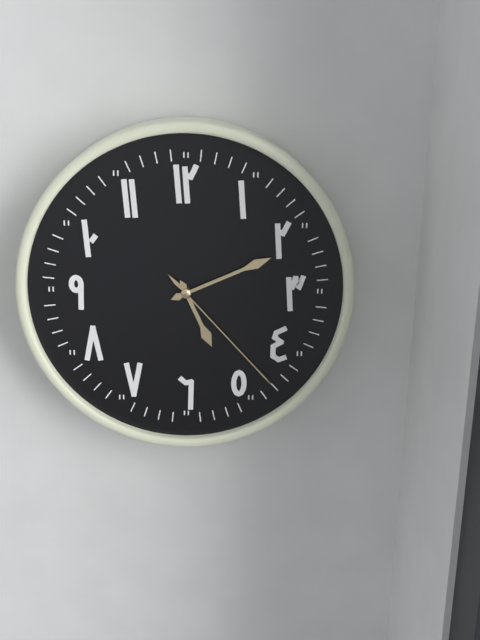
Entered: 5 h 11 min 23 s
